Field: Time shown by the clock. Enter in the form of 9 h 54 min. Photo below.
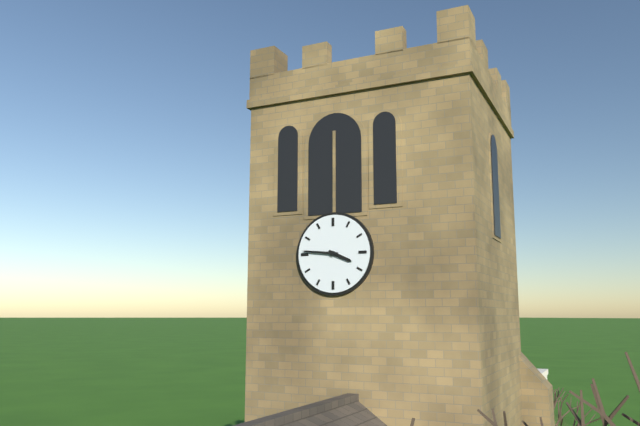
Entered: 3 h 46 min
